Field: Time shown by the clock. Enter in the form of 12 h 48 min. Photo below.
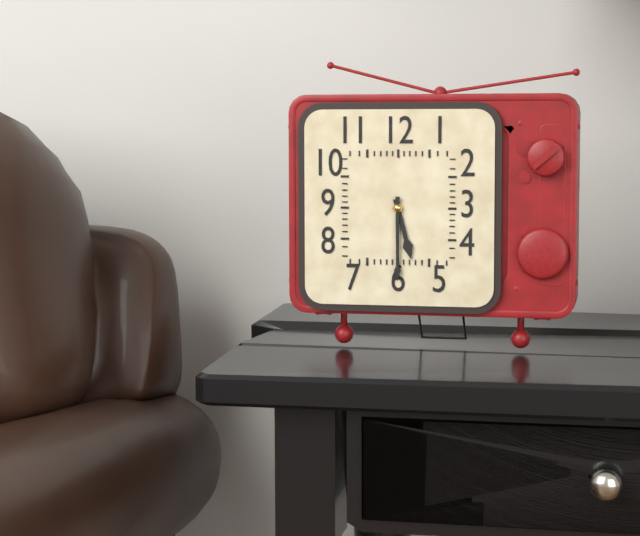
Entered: 5 h 30 min
